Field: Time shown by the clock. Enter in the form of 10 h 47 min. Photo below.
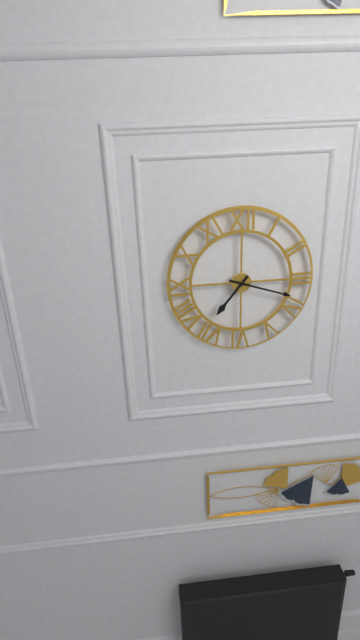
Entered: 7 h 18 min
